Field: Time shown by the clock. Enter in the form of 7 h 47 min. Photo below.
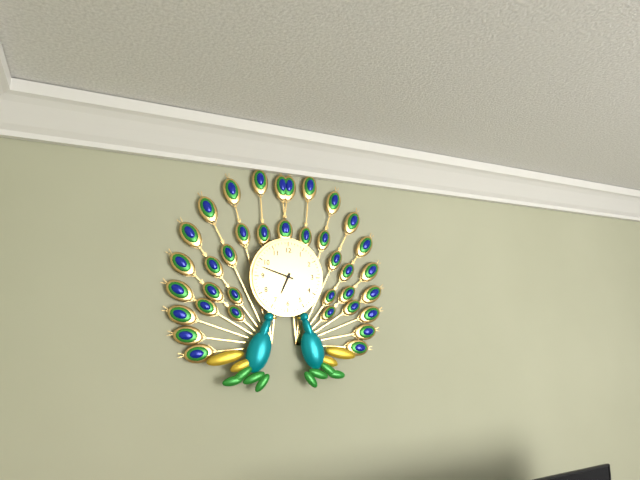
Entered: 6 h 48 min
